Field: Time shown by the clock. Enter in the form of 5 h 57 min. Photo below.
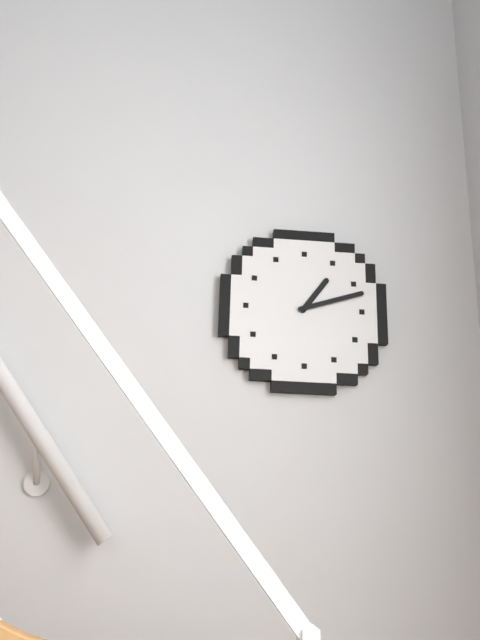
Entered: 1 h 12 min
